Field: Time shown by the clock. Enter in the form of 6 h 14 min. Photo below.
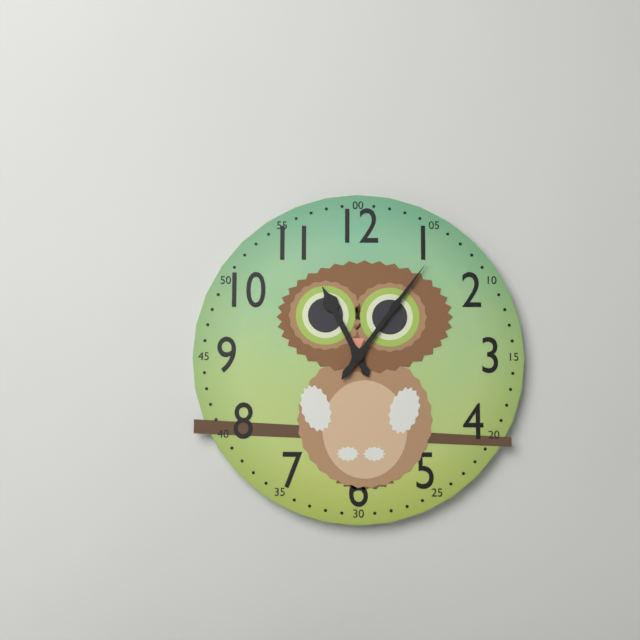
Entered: 11 h 06 min
